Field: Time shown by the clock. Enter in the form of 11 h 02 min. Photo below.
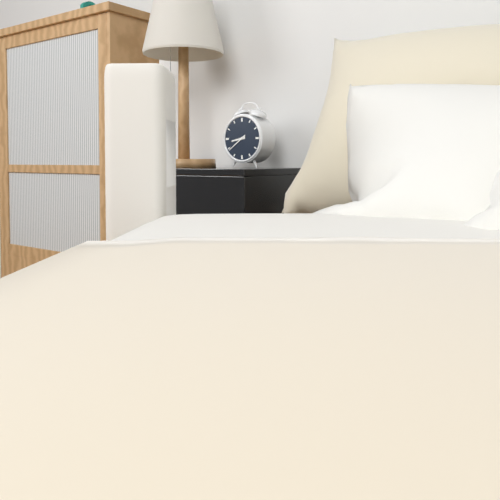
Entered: 8 h 39 min
